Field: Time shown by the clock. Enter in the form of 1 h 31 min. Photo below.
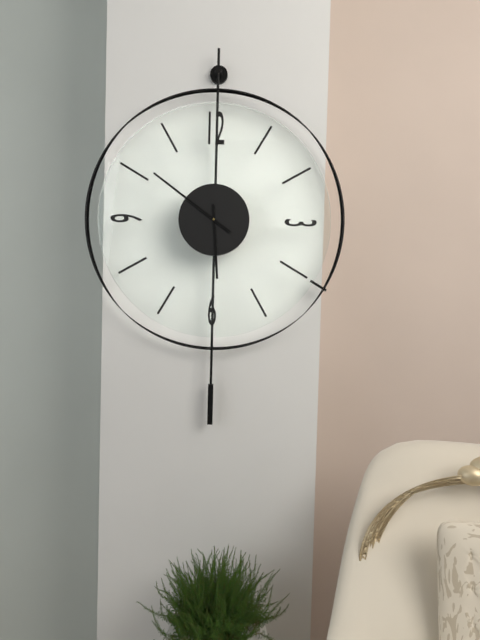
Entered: 5 h 51 min
